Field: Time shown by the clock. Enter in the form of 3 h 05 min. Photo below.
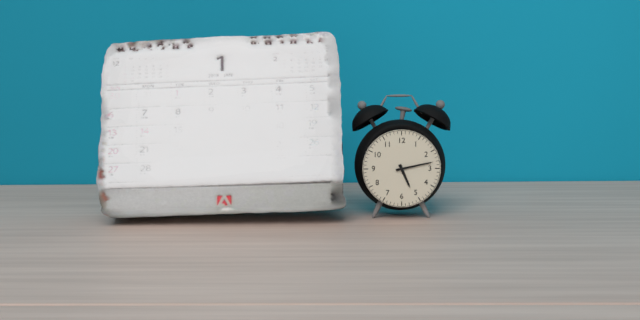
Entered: 5 h 13 min
